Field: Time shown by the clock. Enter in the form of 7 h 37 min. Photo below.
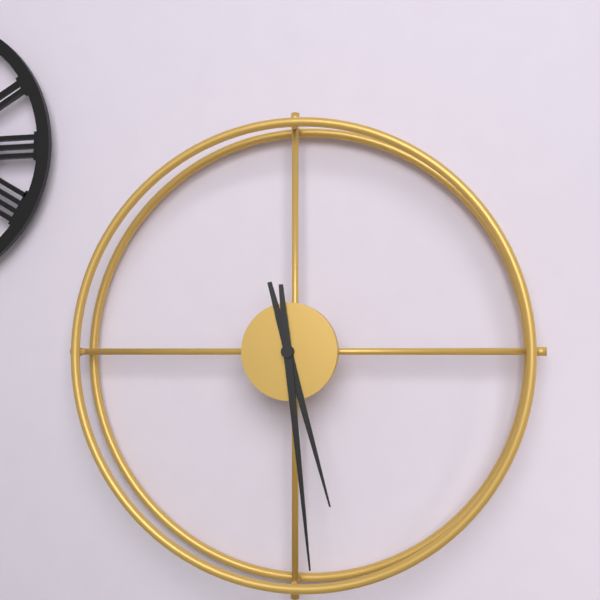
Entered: 5 h 29 min
